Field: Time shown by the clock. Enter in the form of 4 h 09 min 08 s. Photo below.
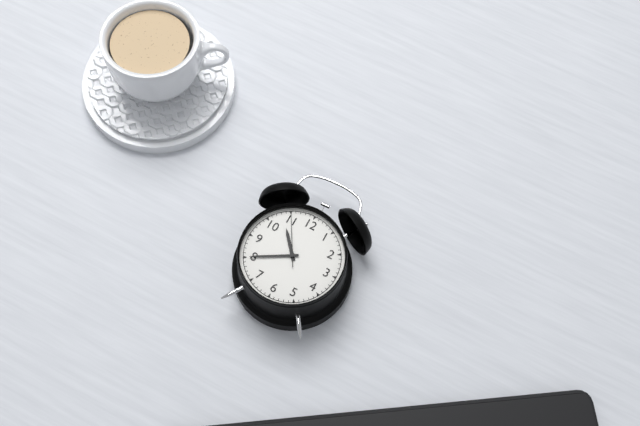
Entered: 10 h 40 min 55 s
